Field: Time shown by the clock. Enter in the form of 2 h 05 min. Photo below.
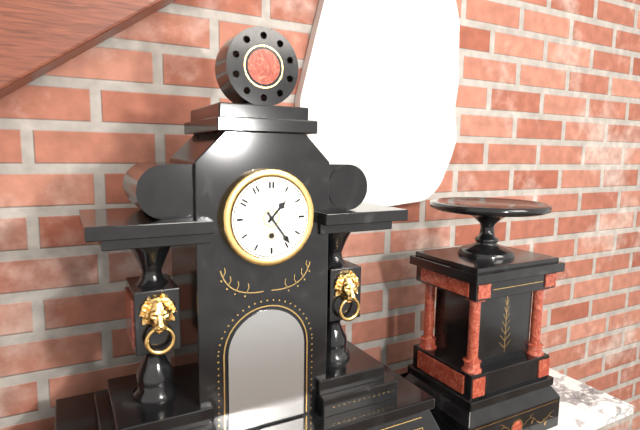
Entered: 1 h 24 min
